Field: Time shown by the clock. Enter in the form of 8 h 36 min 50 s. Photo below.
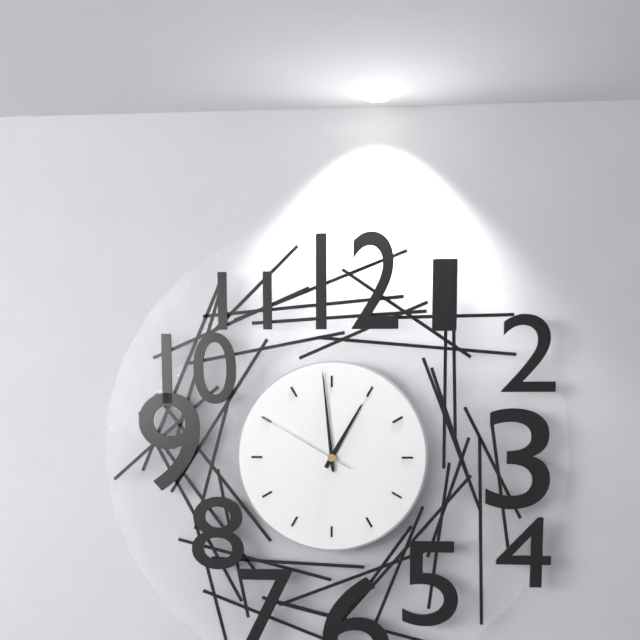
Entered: 12 h 59 min 50 s
